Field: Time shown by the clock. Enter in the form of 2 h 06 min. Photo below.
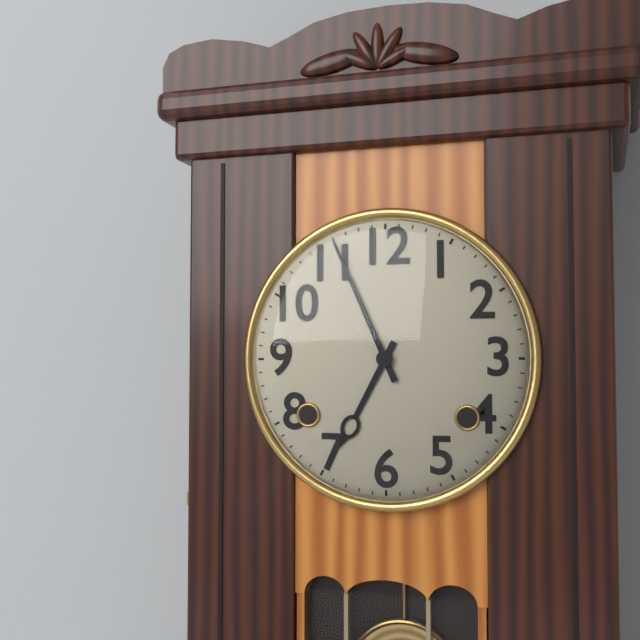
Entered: 6 h 56 min
